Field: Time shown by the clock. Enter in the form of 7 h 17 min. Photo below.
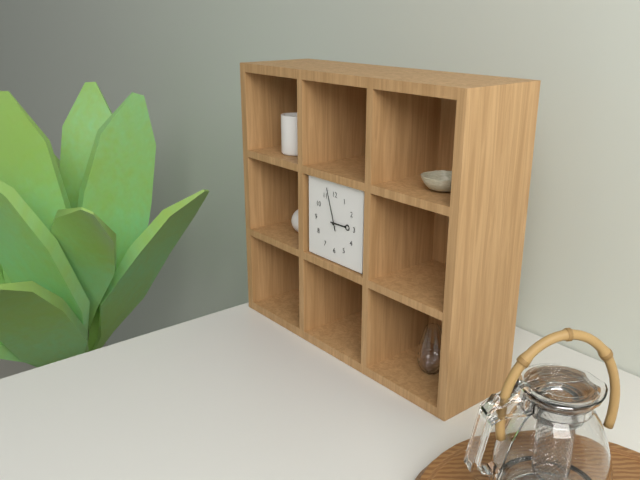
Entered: 2 h 57 min
